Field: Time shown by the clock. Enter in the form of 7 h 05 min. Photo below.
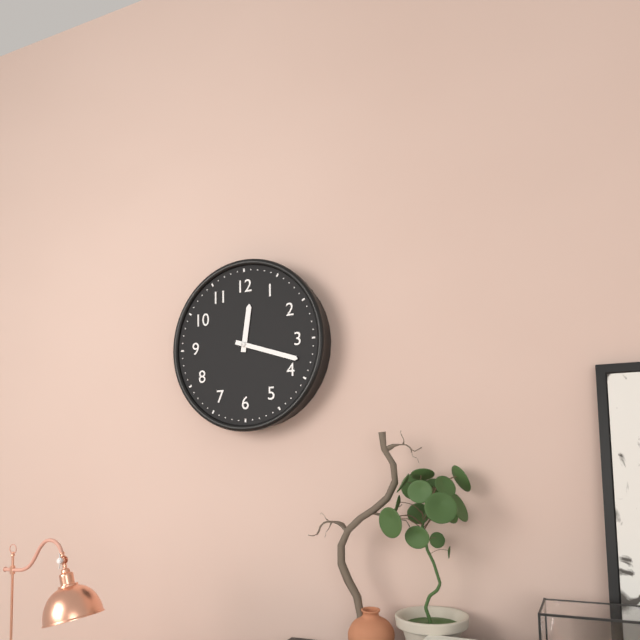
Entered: 12 h 18 min
